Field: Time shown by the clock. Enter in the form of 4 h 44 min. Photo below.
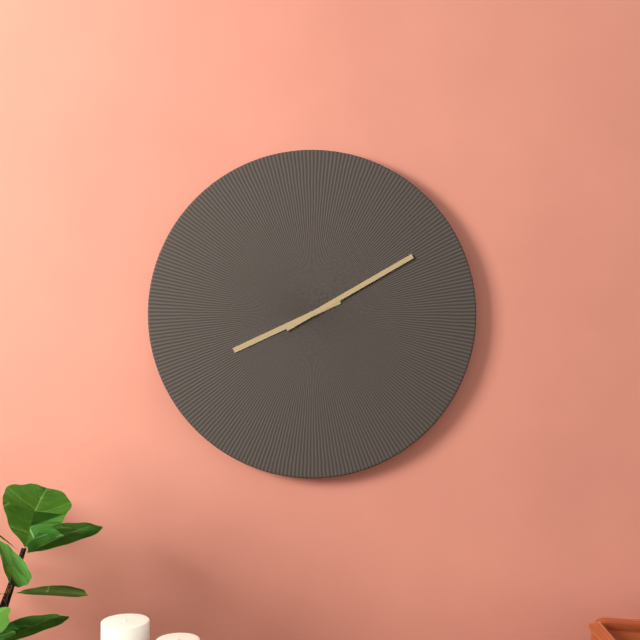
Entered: 8 h 10 min
